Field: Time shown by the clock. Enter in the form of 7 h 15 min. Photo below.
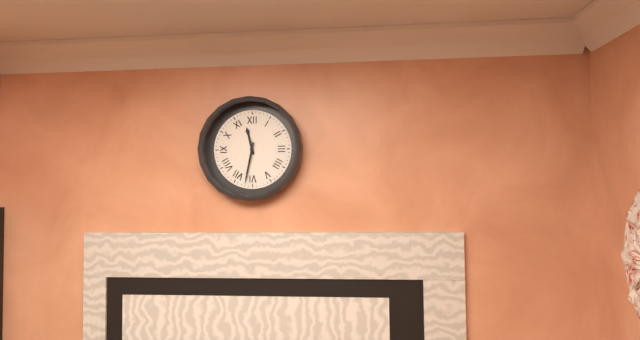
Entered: 11 h 32 min
